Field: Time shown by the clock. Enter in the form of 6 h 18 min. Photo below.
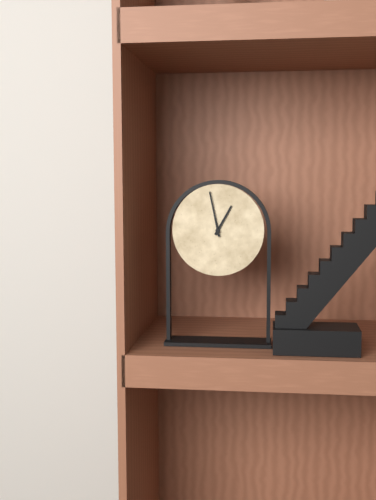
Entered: 12 h 58 min
